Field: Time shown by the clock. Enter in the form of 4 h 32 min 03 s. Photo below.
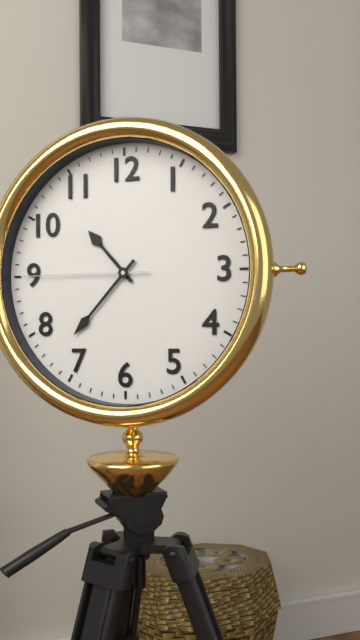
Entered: 10 h 37 min 45 s
